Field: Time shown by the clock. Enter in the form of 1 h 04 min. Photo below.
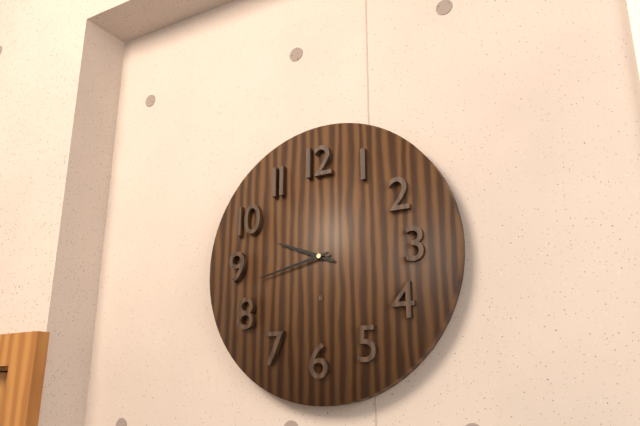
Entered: 9 h 43 min
